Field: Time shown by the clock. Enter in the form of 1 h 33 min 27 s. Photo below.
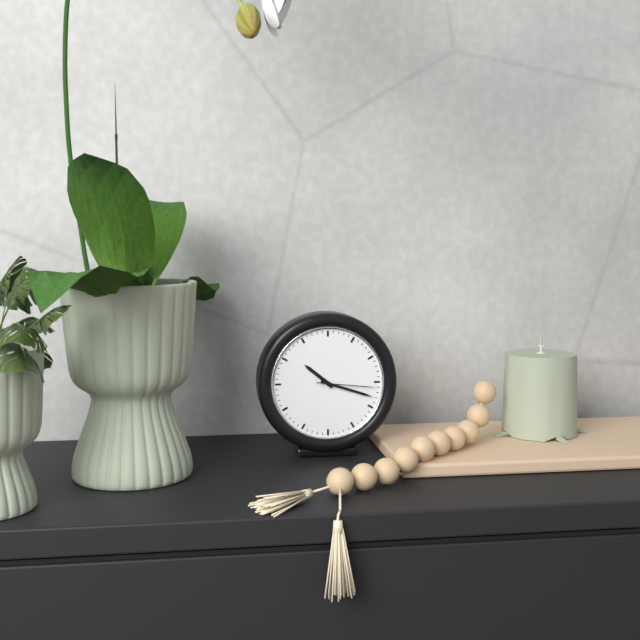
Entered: 10 h 18 min 16 s
